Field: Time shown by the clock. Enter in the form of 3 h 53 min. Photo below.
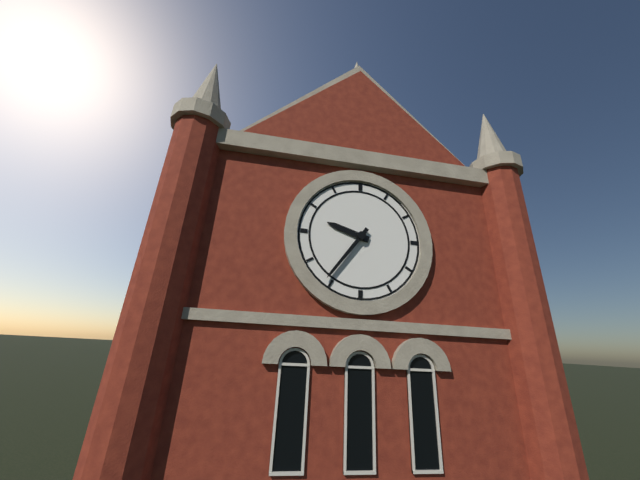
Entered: 9 h 36 min
